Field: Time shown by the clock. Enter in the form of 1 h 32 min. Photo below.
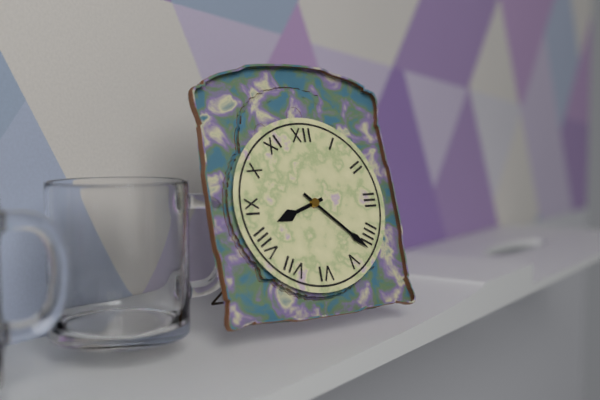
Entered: 8 h 22 min
